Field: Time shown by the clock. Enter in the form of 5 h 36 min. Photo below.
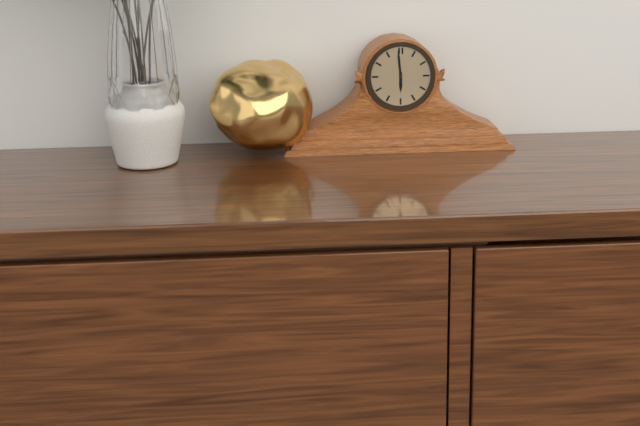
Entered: 5 h 59 min
